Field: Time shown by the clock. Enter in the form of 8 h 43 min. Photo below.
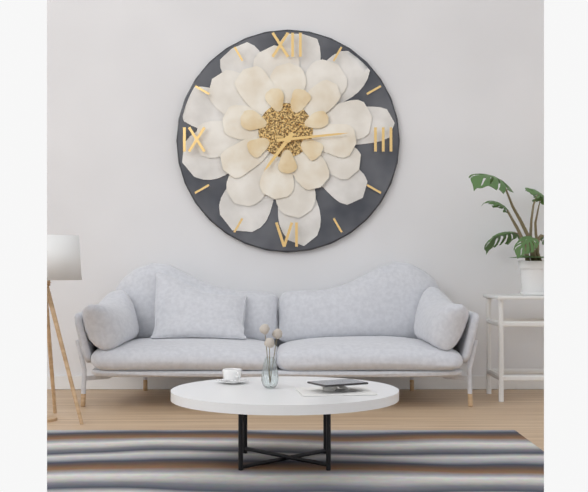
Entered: 7 h 14 min
